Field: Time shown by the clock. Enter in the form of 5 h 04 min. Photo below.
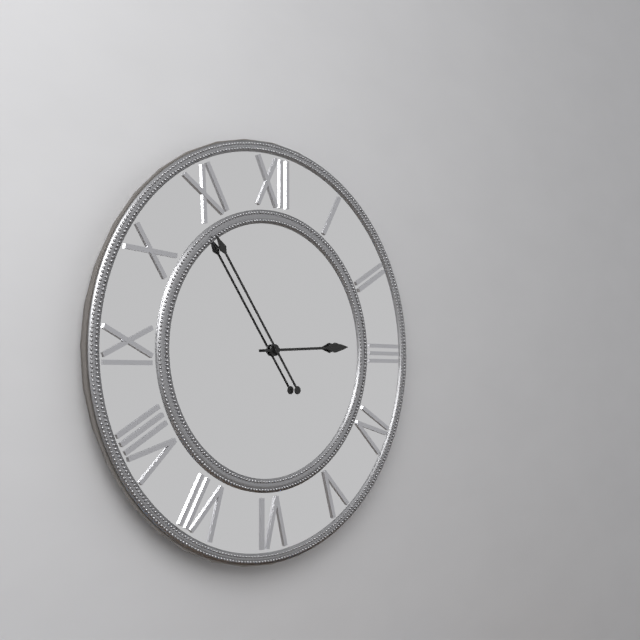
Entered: 2 h 54 min
